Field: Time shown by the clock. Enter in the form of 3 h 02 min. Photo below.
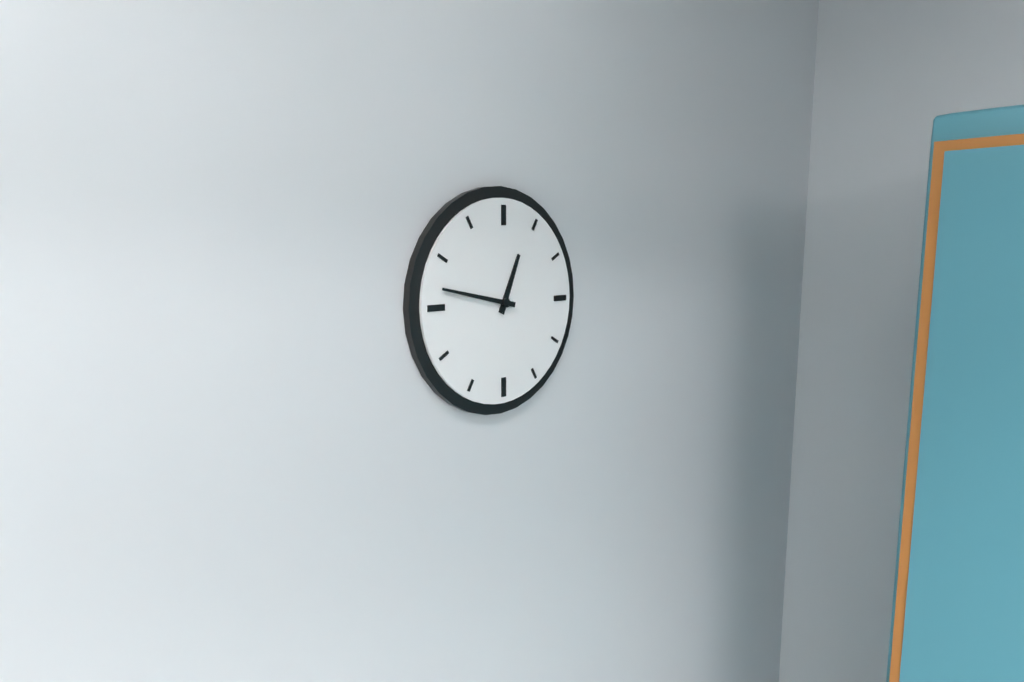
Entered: 12 h 47 min
